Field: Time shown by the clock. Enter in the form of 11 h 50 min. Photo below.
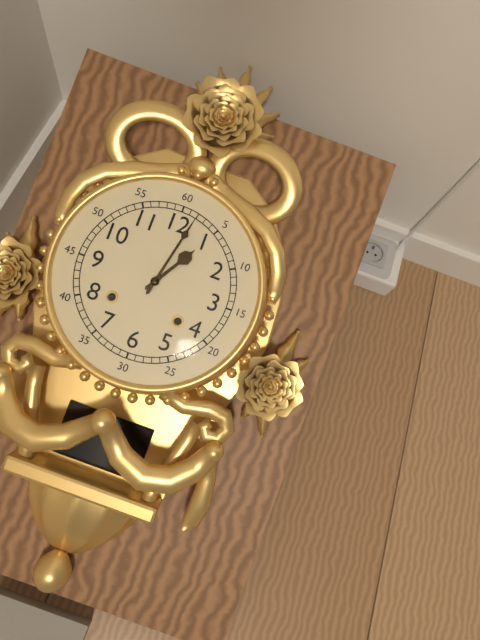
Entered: 1 h 02 min
